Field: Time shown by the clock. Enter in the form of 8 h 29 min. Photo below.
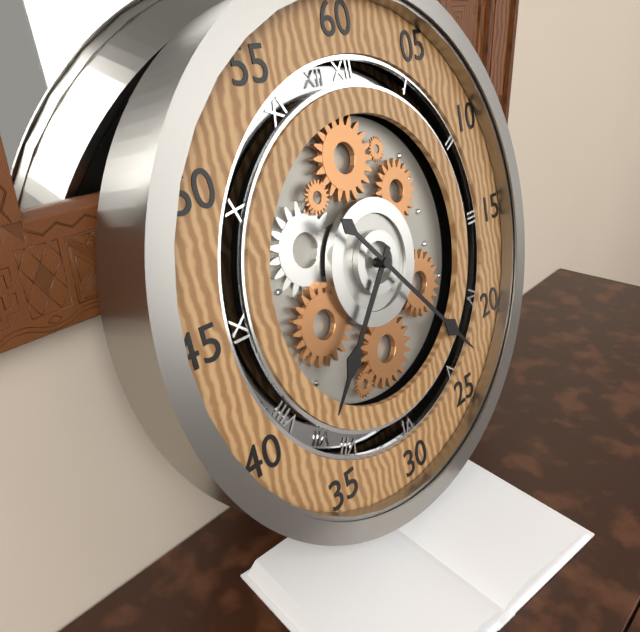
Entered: 7 h 23 min
